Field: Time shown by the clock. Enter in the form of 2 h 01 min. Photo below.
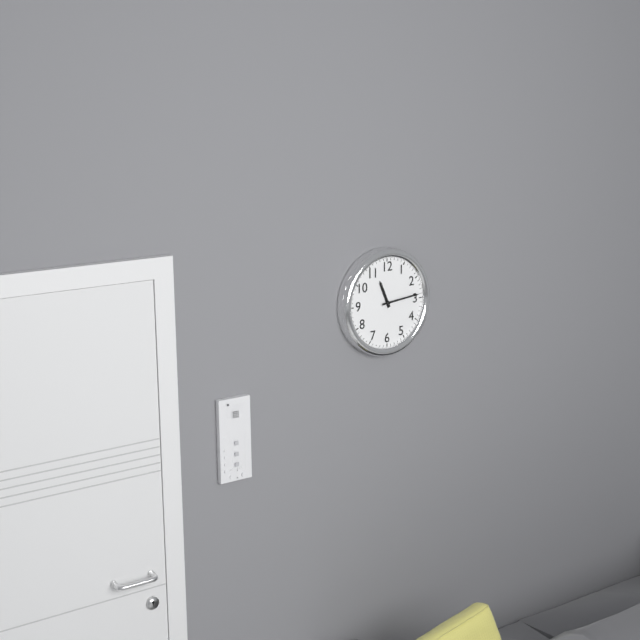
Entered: 11 h 14 min
